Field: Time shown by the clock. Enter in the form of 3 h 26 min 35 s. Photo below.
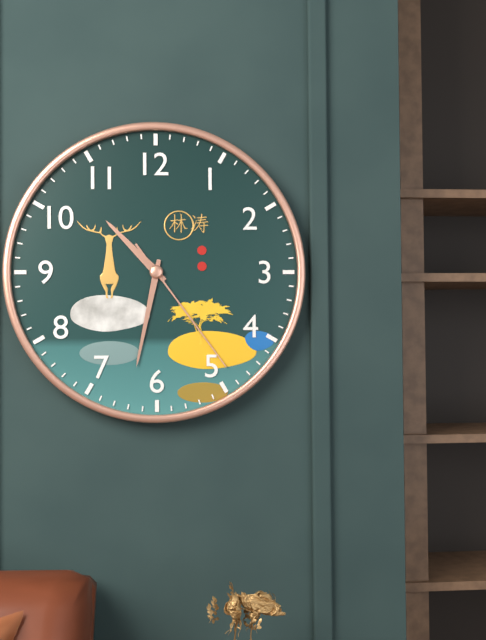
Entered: 10 h 32 min 24 s
